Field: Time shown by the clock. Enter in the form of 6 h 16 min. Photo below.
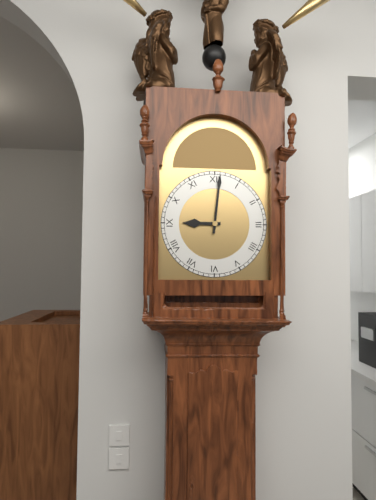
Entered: 9 h 01 min
